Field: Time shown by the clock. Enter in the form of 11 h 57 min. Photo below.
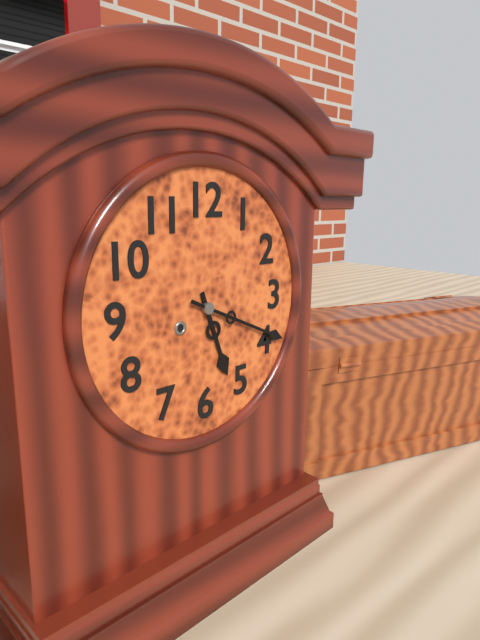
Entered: 5 h 19 min
